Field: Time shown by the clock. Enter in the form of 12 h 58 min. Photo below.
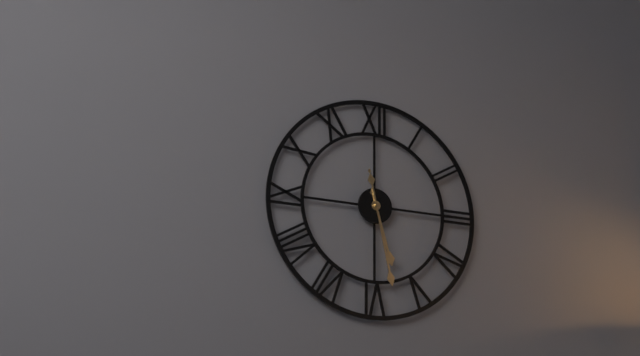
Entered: 5 h 28 min
